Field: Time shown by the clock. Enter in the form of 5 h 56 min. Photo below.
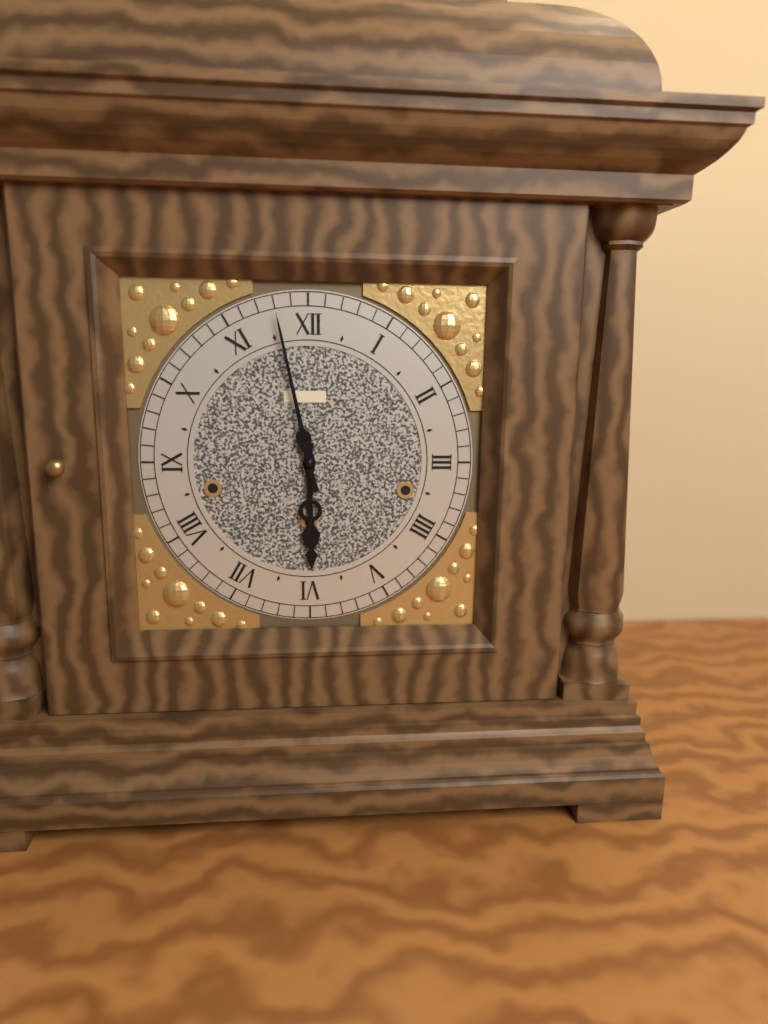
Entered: 5 h 58 min
